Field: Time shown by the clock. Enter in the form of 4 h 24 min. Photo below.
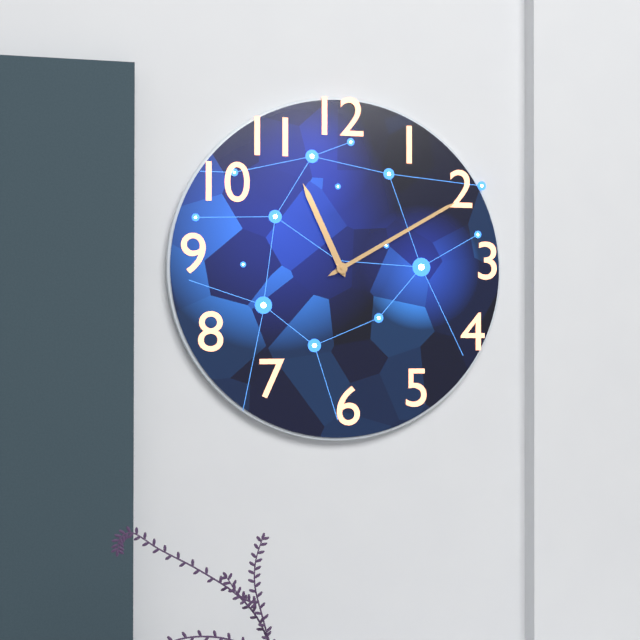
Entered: 11 h 10 min
